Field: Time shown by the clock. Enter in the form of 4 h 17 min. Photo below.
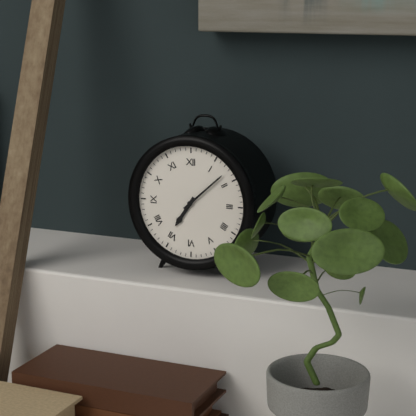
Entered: 7 h 08 min
